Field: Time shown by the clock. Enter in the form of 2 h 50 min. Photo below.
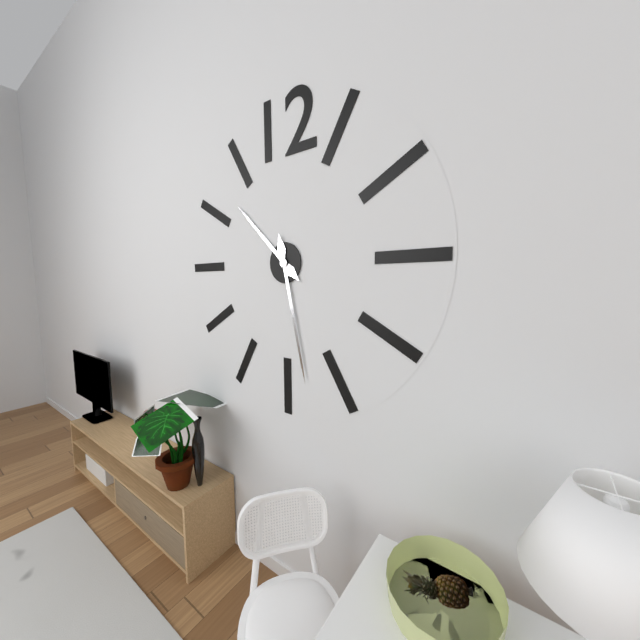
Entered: 10 h 28 min
